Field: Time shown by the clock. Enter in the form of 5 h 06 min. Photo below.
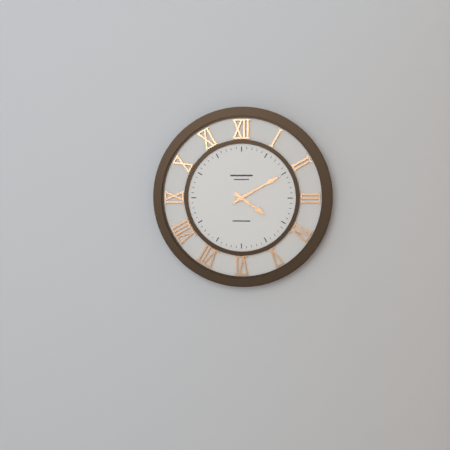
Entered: 4 h 10 min
